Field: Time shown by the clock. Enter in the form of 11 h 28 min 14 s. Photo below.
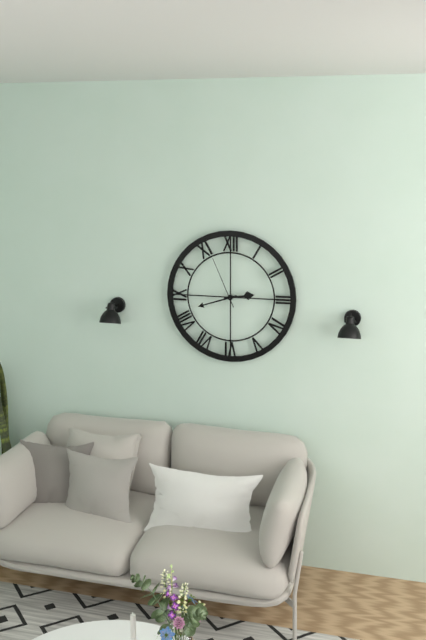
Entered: 2 h 42 min 56 s
